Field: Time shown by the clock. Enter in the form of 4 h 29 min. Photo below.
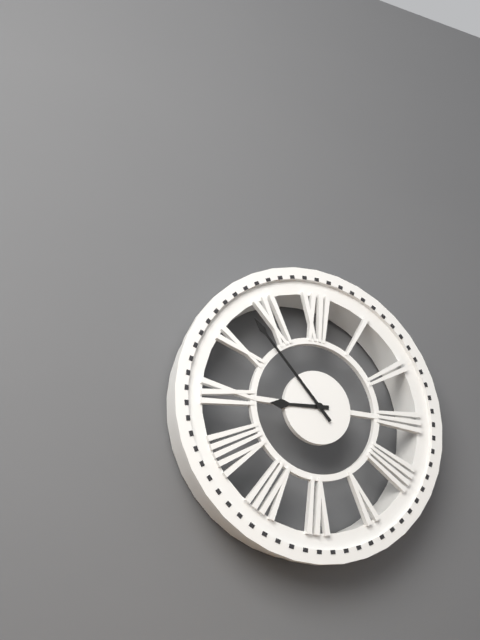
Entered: 8 h 53 min
